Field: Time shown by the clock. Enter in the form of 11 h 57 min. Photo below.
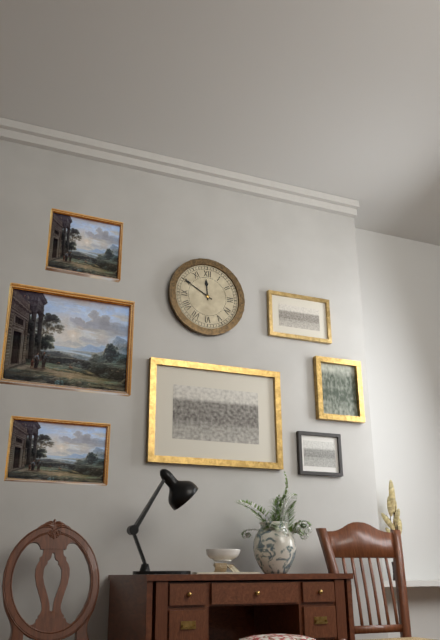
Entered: 11 h 50 min
